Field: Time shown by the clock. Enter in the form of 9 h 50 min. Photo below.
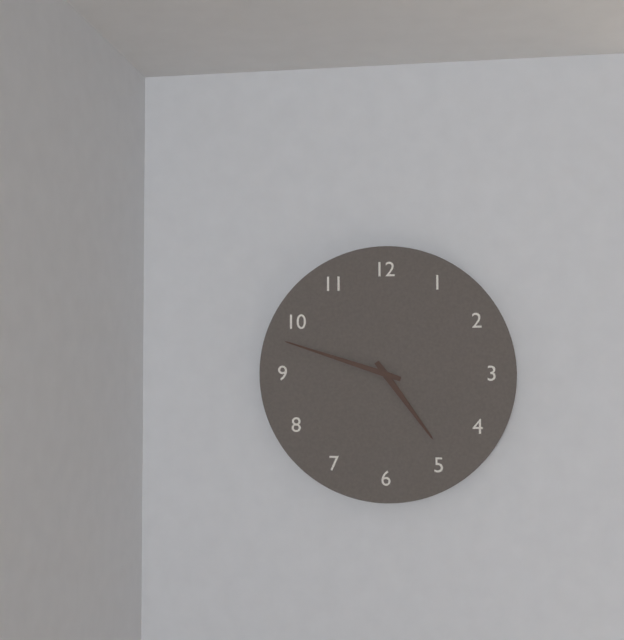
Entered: 4 h 48 min
